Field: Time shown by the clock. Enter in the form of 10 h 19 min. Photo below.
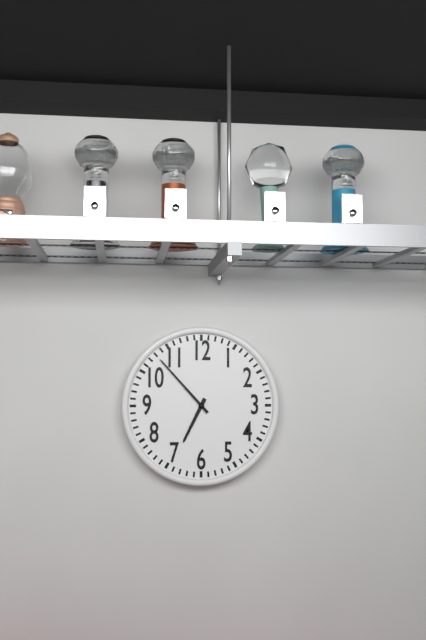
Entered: 6 h 53 min
